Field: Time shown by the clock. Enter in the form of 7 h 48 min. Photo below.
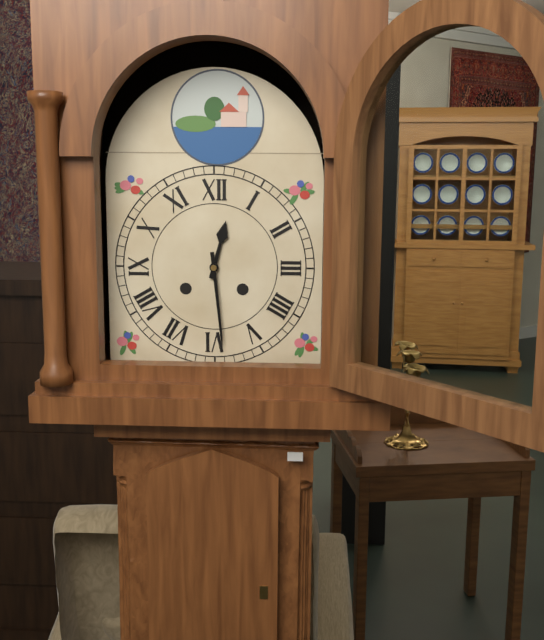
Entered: 12 h 29 min
